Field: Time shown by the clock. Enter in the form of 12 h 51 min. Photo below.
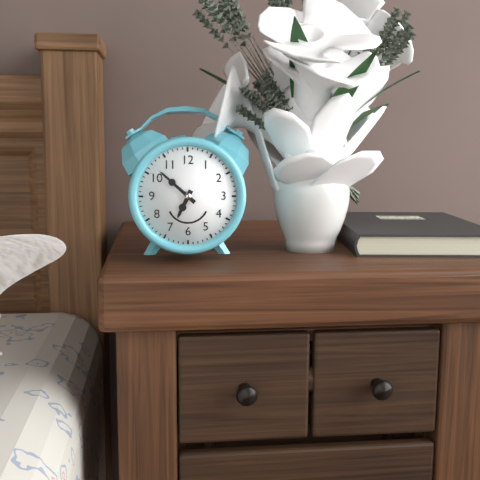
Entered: 6 h 52 min
